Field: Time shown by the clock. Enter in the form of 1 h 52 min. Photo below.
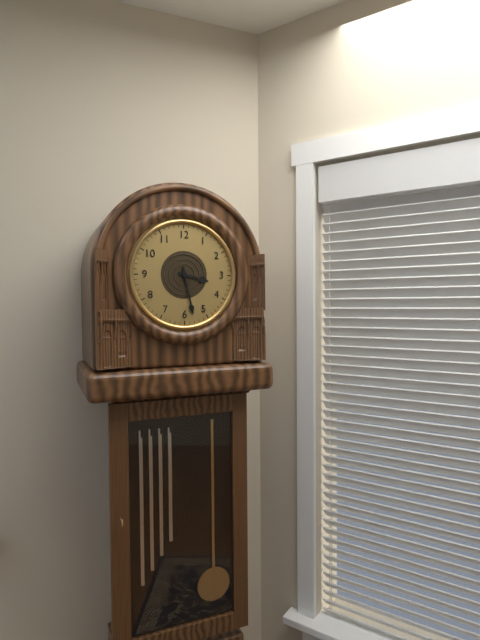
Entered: 3 h 28 min
